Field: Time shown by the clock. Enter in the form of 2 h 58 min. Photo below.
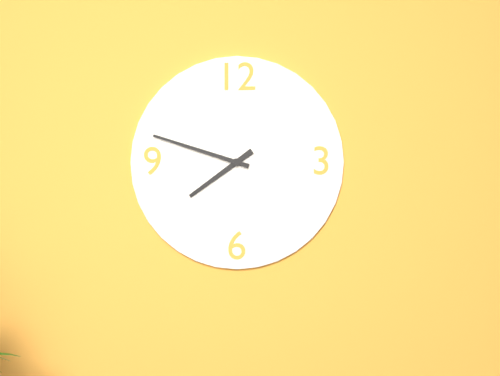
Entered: 7 h 48 min
